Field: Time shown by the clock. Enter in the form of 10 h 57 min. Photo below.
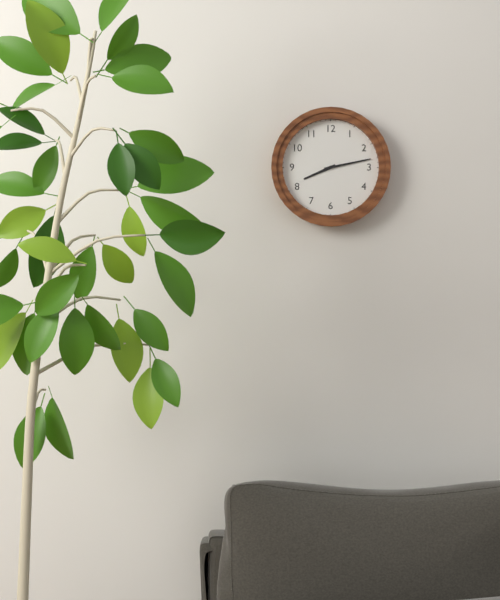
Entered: 8 h 13 min
